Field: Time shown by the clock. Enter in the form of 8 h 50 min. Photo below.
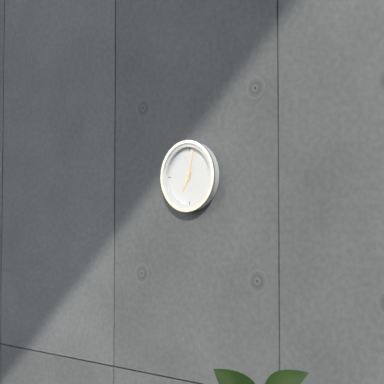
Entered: 7 h 02 min
